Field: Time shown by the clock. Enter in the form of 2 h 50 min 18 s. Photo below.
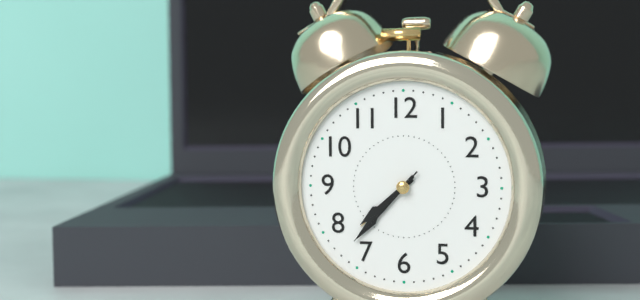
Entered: 7 h 37 min 37 s
